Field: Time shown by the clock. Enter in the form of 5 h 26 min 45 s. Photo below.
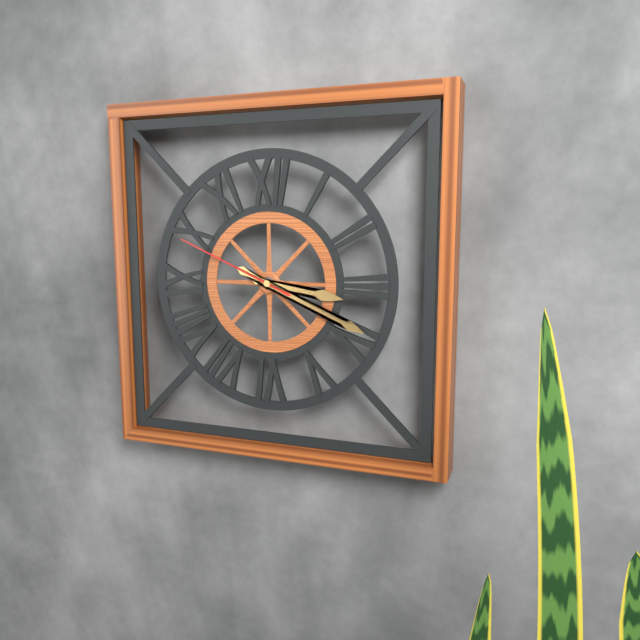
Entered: 3 h 19 min 49 s
